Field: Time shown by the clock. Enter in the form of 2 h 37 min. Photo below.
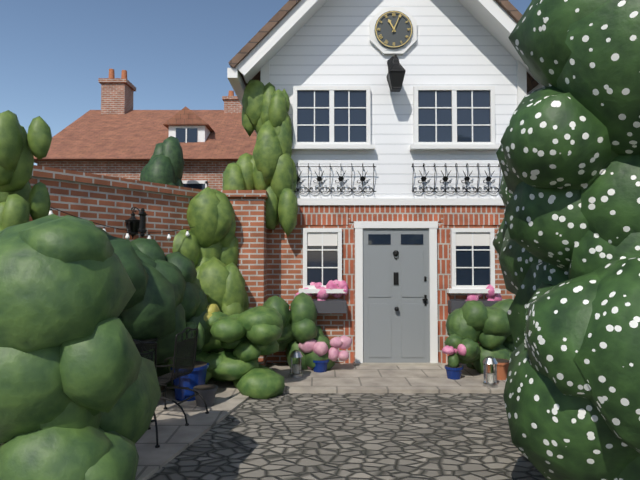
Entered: 11 h 04 min
